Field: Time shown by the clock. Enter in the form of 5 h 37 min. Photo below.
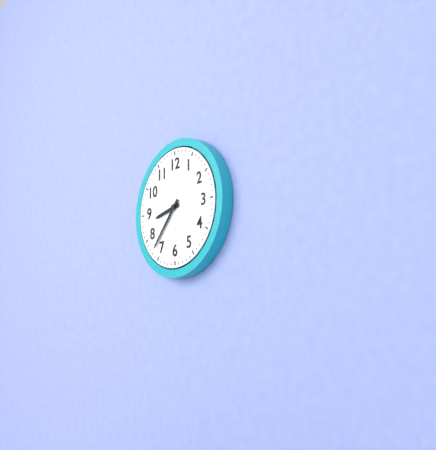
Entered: 8 h 37 min
